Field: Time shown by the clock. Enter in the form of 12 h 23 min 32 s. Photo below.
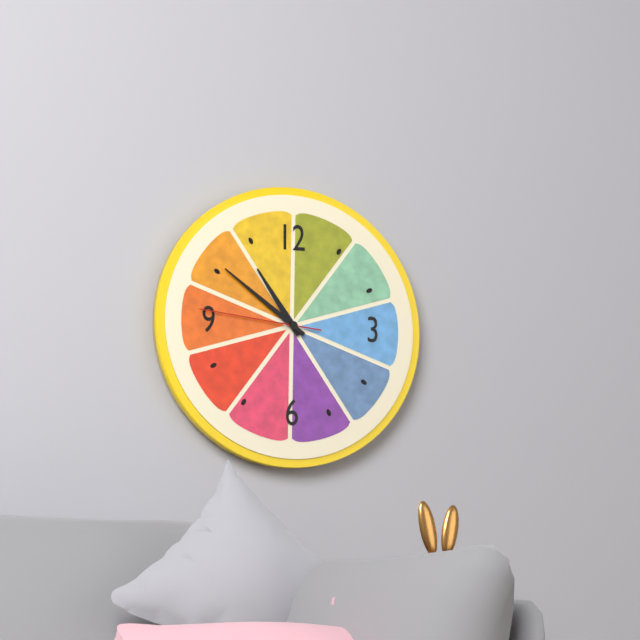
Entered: 10 h 51 min 46 s
